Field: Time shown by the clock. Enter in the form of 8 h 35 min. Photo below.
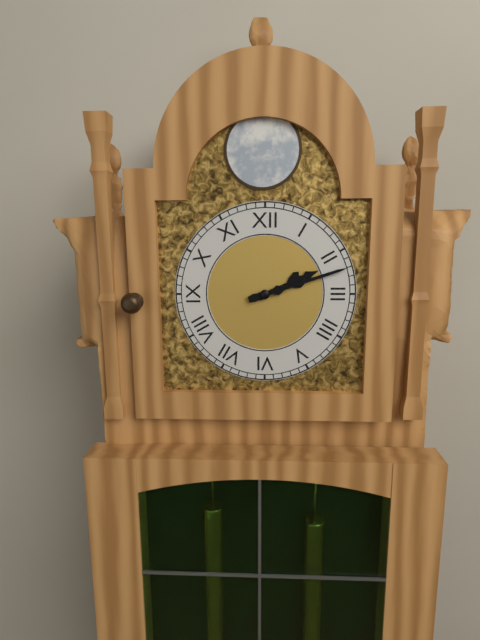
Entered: 2 h 12 min
